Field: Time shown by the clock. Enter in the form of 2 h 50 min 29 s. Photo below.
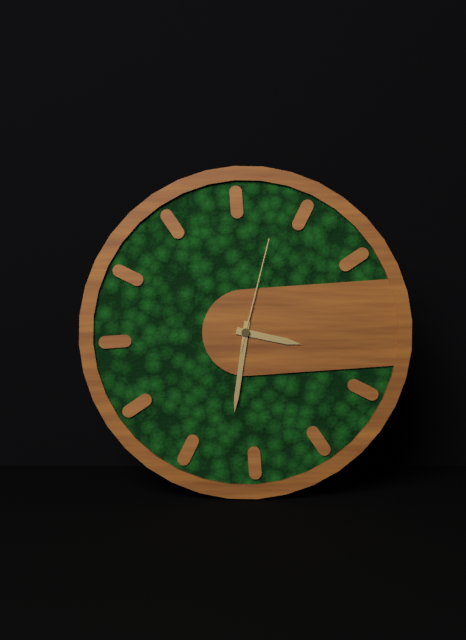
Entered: 3 h 32 min 03 s
